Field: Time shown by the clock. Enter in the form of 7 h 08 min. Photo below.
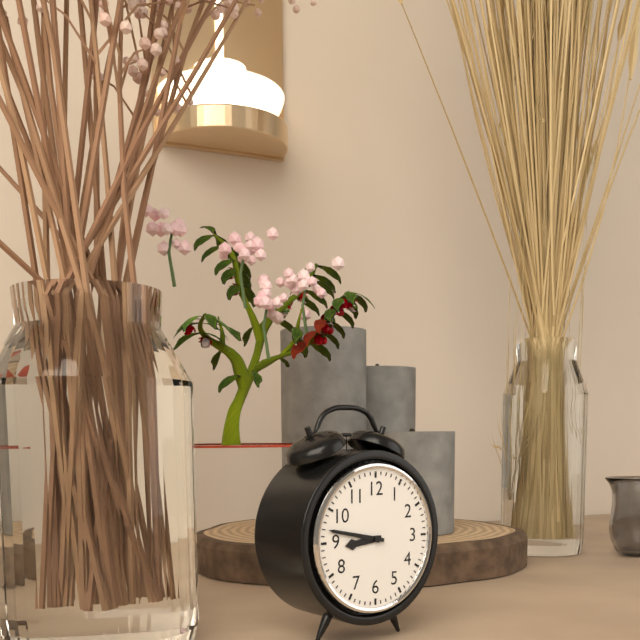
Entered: 8 h 47 min
